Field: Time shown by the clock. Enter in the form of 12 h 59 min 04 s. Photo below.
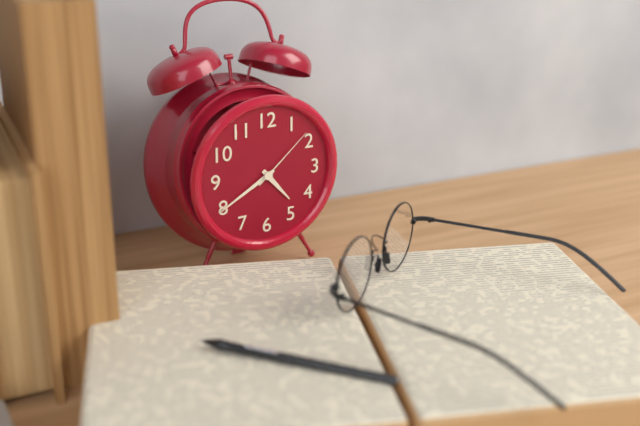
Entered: 4 h 40 min 08 s
